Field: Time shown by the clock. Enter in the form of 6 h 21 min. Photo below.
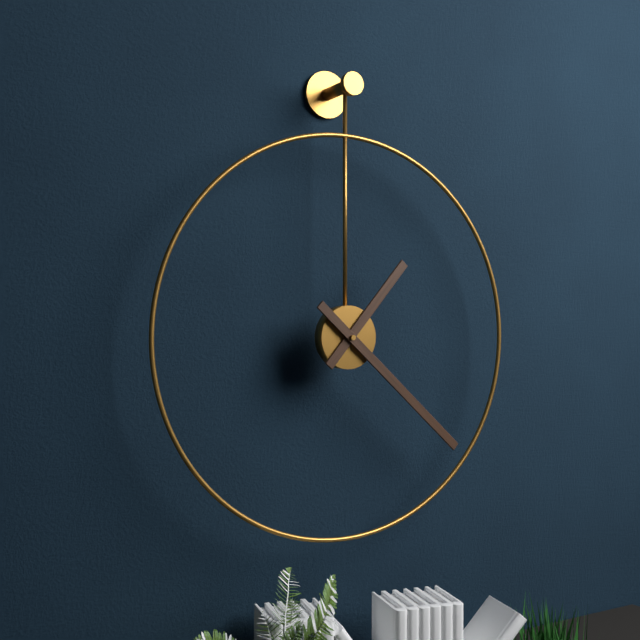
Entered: 1 h 22 min
